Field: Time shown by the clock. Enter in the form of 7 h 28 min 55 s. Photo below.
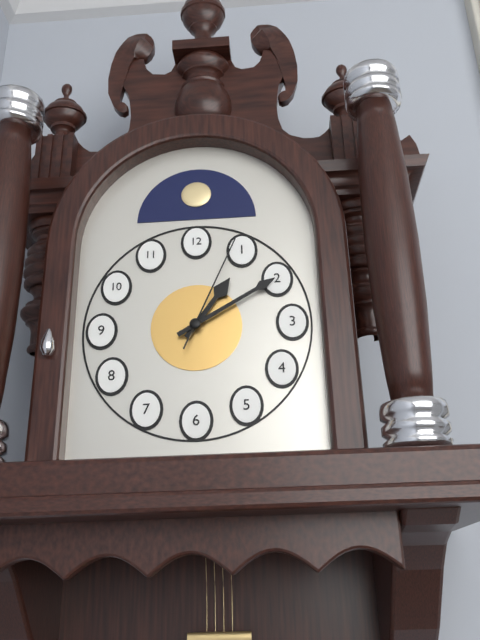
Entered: 1 h 10 min 04 s
